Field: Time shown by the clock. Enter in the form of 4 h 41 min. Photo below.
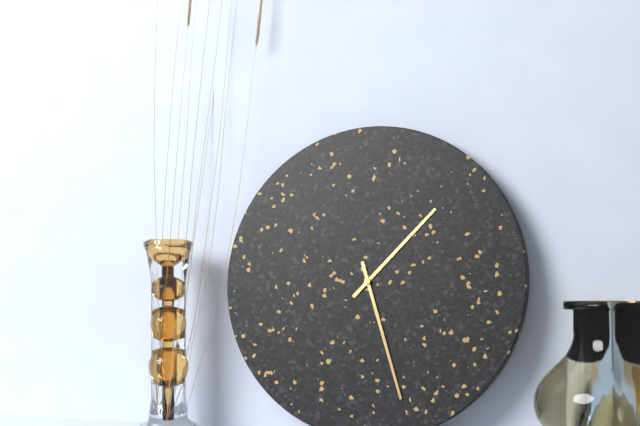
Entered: 1 h 27 min
